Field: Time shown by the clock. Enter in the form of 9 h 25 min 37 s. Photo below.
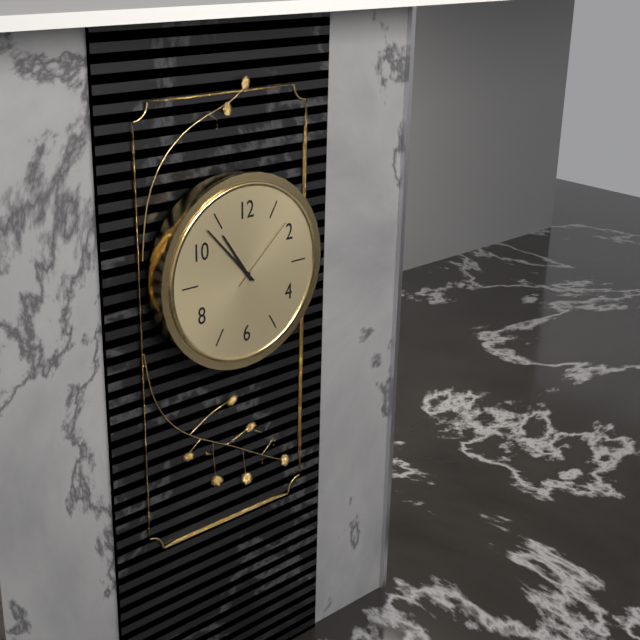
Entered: 10 h 53 min 08 s
